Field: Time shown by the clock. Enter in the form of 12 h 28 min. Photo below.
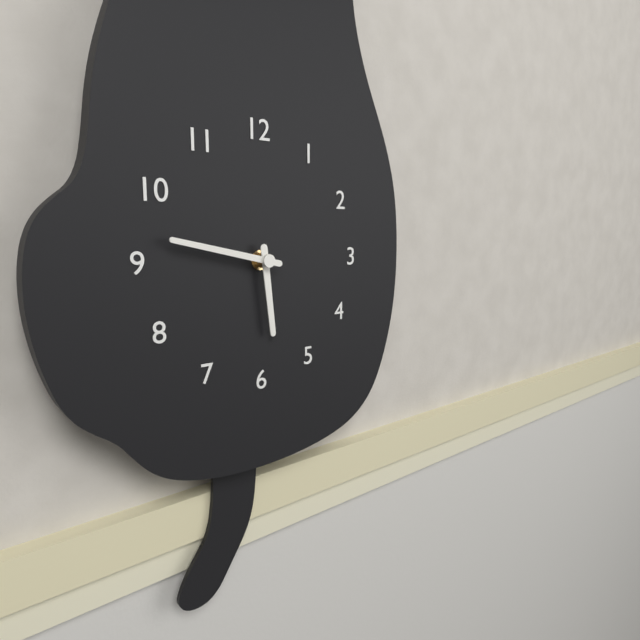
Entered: 5 h 47 min
